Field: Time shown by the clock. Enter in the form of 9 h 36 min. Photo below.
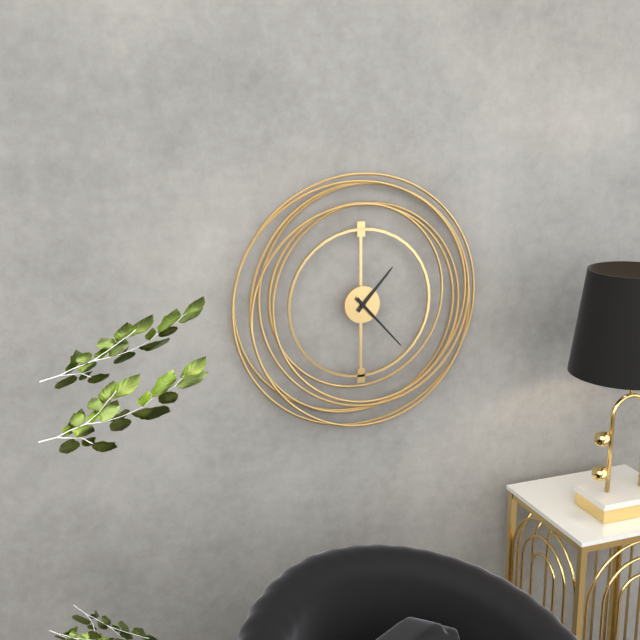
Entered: 1 h 23 min
